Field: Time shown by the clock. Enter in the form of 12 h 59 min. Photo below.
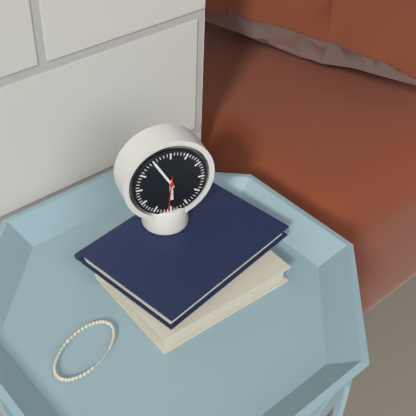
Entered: 5 h 55 min
